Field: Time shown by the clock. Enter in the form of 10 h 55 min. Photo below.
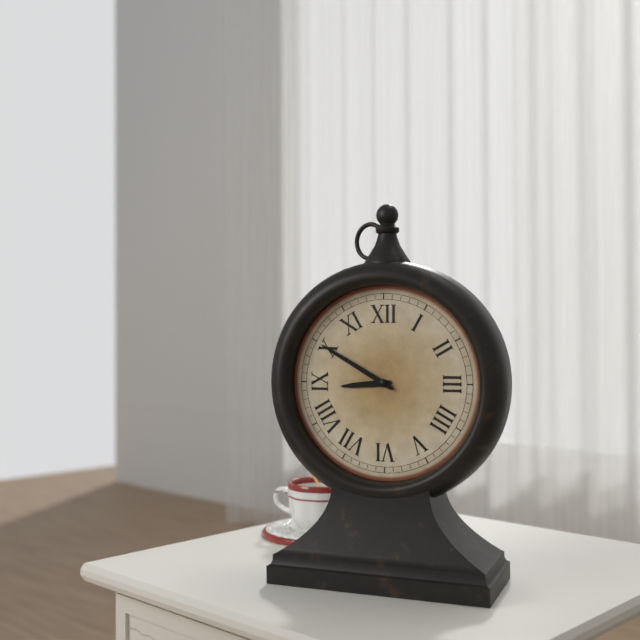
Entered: 8 h 50 min
